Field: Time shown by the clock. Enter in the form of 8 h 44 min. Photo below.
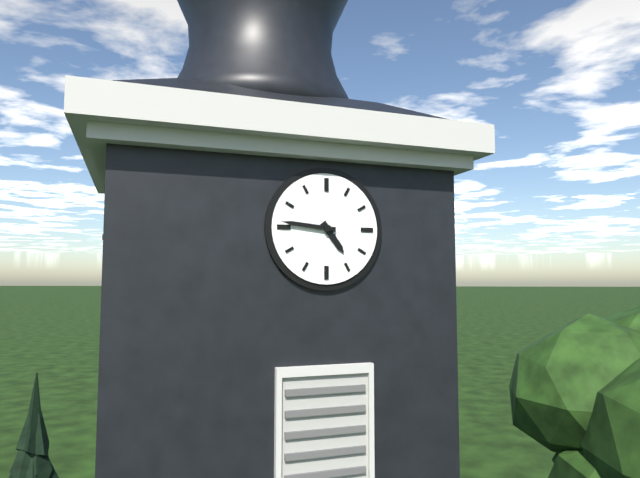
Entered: 4 h 46 min
